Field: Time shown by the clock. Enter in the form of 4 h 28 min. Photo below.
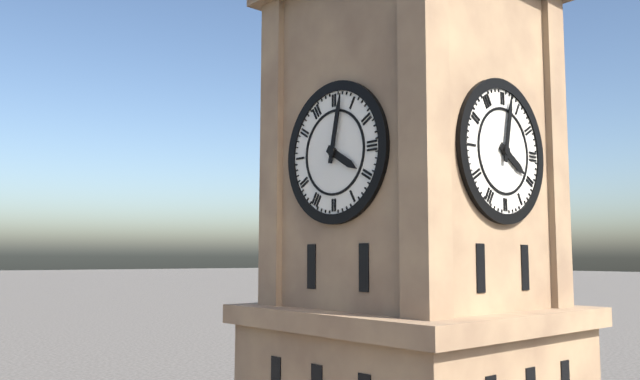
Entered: 4 h 02 min
